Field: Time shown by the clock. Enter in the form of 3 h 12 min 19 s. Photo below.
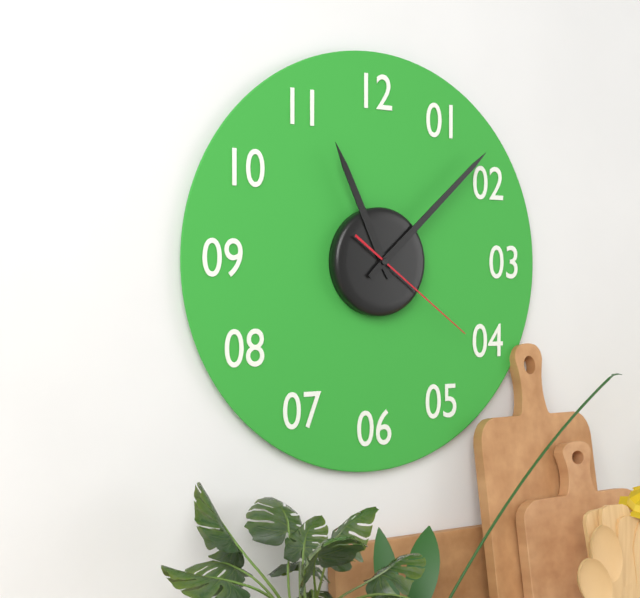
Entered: 11 h 08 min 21 s
